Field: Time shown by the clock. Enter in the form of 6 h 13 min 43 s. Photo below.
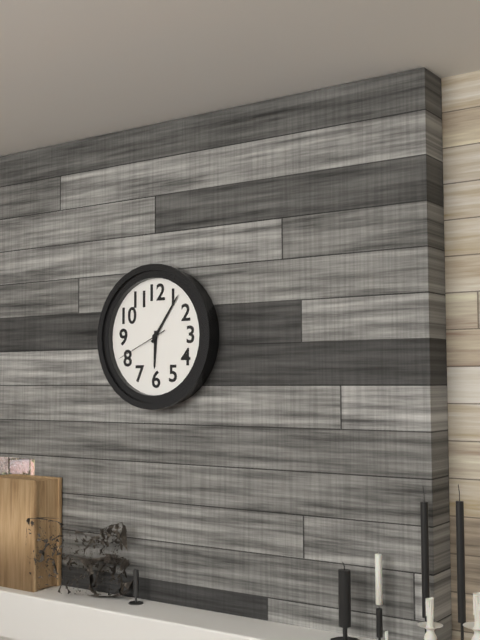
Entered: 6 h 06 min 41 s
